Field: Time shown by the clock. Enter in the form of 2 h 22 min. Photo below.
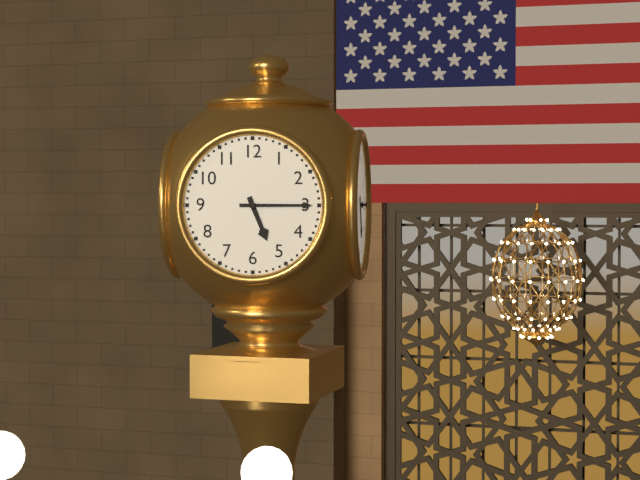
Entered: 5 h 15 min
